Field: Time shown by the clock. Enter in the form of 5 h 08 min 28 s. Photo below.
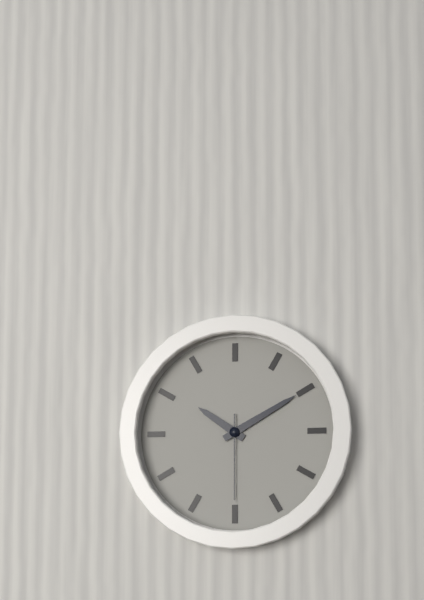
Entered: 10 h 10 min 30 s
